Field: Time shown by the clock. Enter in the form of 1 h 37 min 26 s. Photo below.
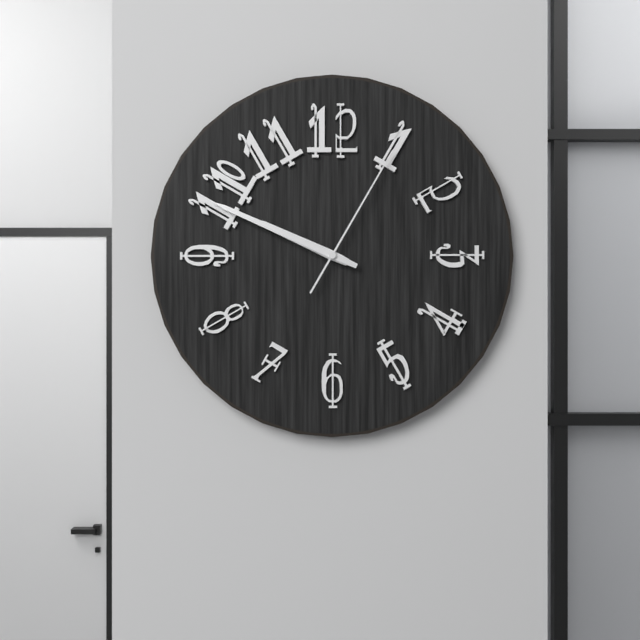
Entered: 9 h 49 min 05 s
